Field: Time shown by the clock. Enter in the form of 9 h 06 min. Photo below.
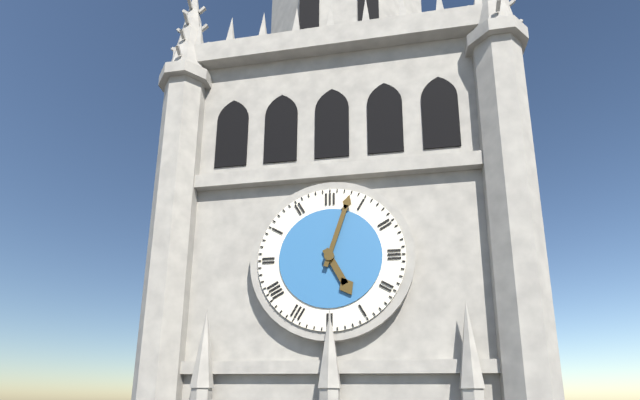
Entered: 5 h 03 min
